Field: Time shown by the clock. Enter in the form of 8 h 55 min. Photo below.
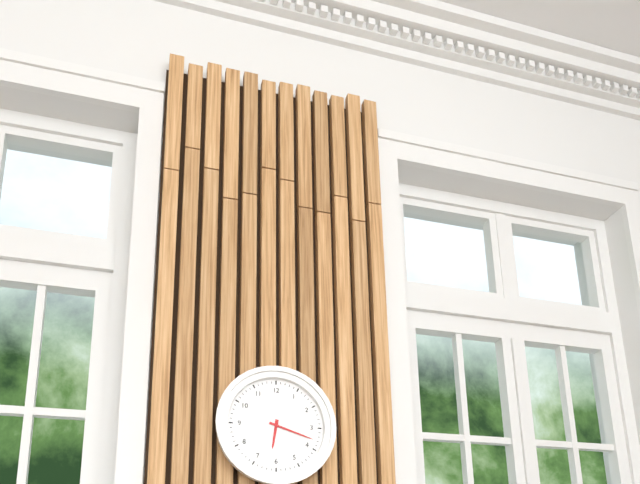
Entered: 6 h 18 min
